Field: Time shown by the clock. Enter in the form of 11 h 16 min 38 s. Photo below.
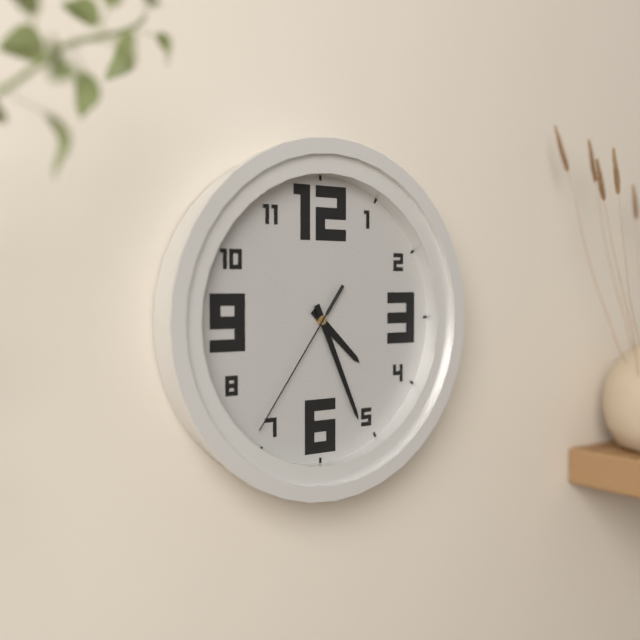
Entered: 4 h 26 min 36 s
